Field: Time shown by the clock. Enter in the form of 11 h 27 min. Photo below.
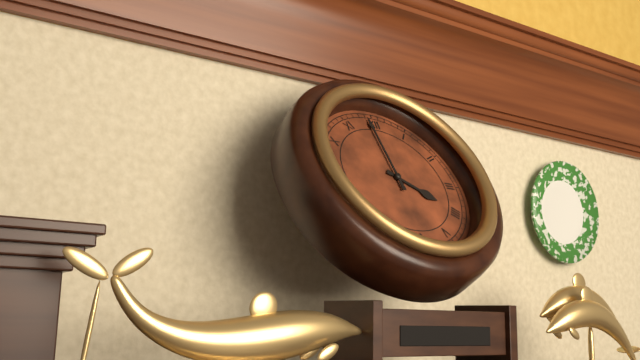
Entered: 3 h 59 min
